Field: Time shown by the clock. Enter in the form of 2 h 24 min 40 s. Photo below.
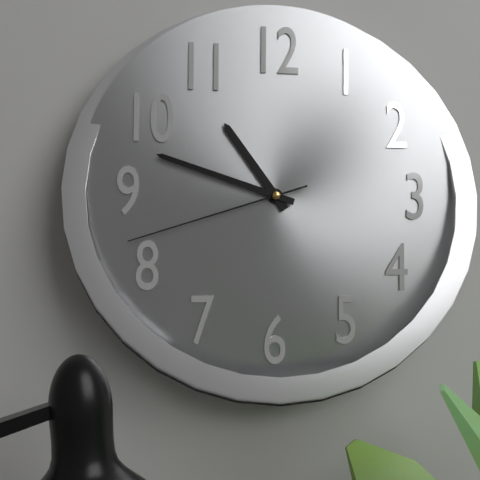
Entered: 10 h 48 min 42 s
